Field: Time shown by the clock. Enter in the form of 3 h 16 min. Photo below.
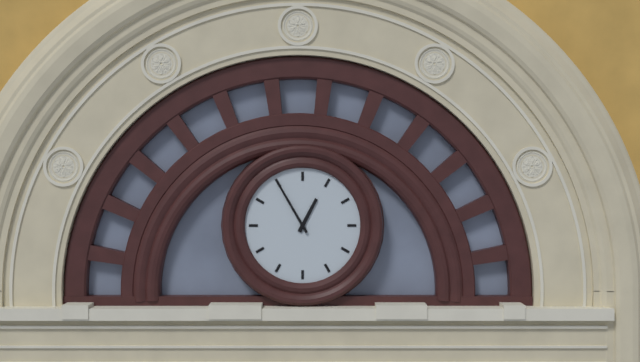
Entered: 12 h 55 min
